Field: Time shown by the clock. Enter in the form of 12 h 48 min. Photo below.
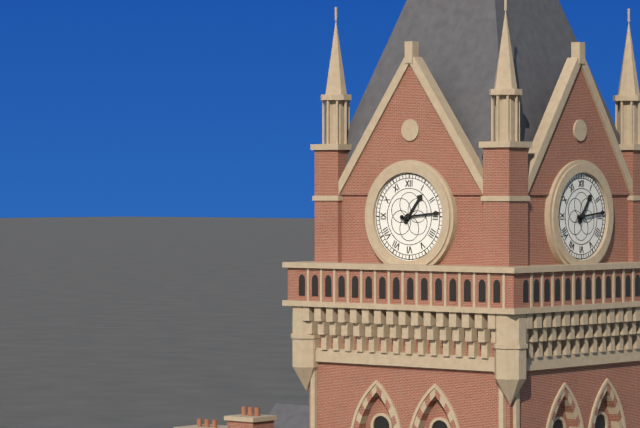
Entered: 1 h 14 min
